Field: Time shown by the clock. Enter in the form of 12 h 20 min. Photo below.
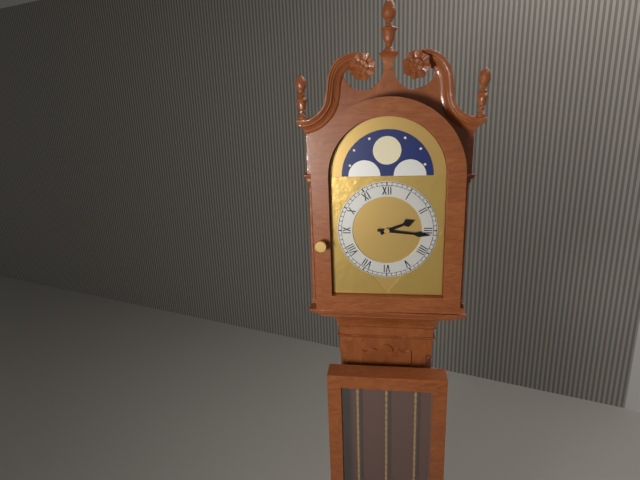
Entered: 2 h 16 min
